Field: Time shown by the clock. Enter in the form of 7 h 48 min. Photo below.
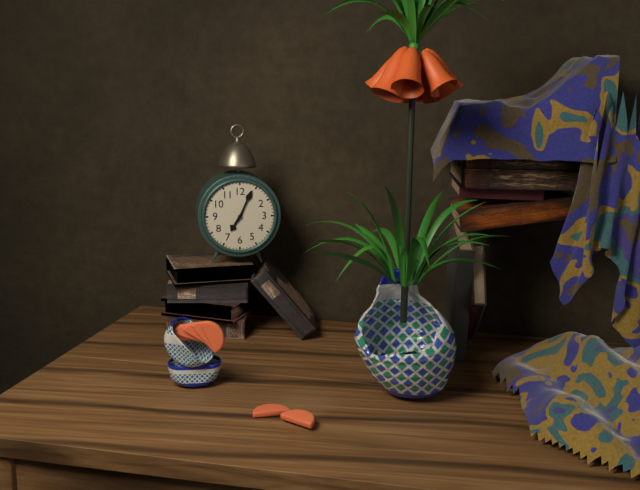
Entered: 7 h 04 min
